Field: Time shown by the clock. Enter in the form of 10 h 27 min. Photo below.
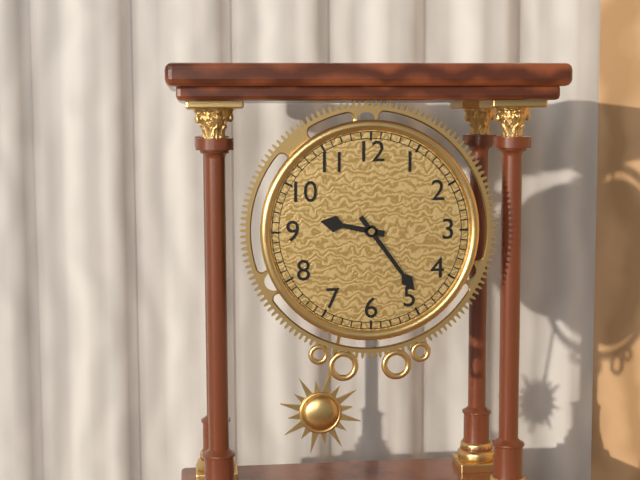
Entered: 9 h 24 min
